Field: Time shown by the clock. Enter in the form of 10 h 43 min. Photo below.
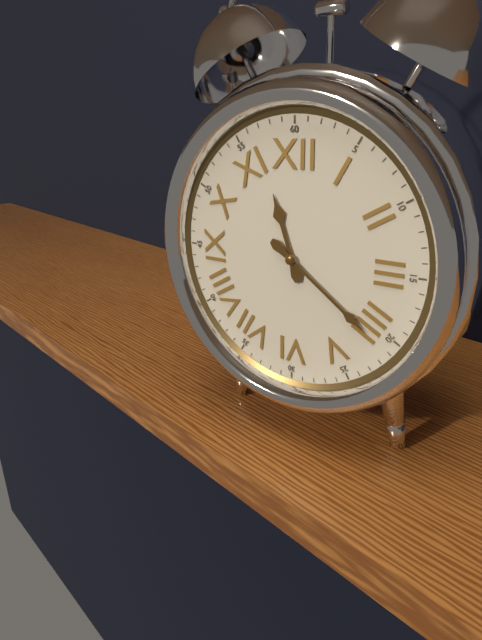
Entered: 11 h 21 min
